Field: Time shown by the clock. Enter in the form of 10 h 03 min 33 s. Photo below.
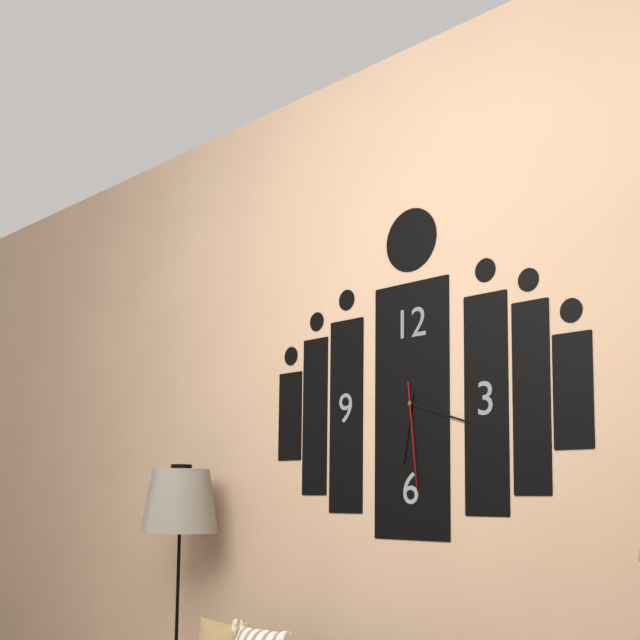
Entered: 6 h 18 min 29 s
